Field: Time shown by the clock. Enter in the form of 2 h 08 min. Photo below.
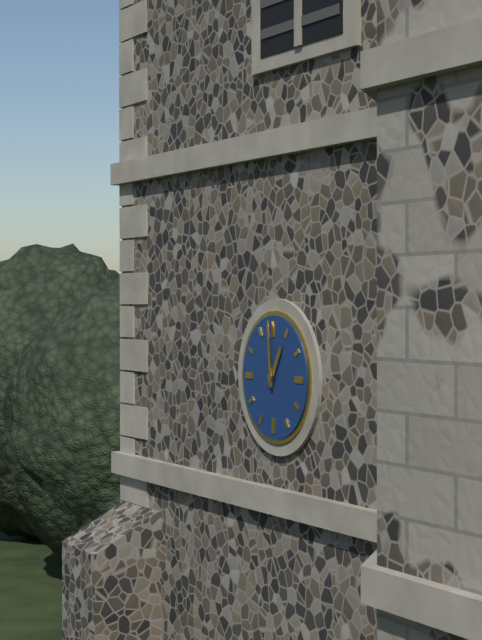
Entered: 12 h 59 min
